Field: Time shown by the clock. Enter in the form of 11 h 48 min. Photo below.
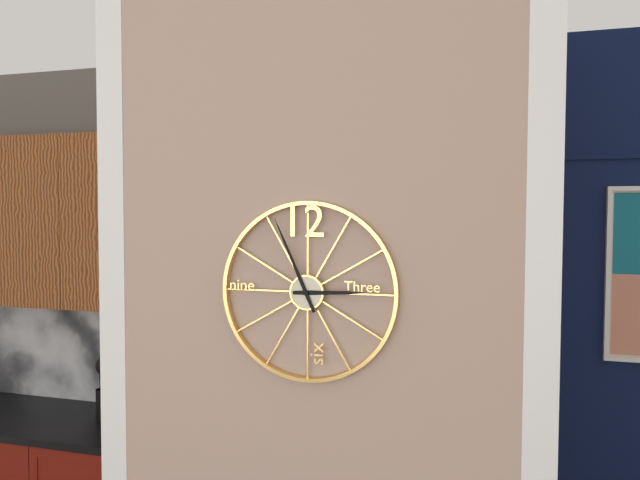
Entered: 2 h 56 min
